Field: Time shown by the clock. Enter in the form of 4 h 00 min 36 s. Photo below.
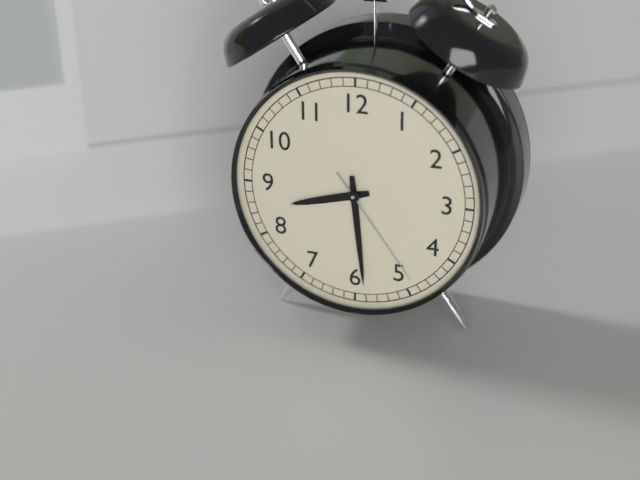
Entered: 8 h 29 min 24 s
